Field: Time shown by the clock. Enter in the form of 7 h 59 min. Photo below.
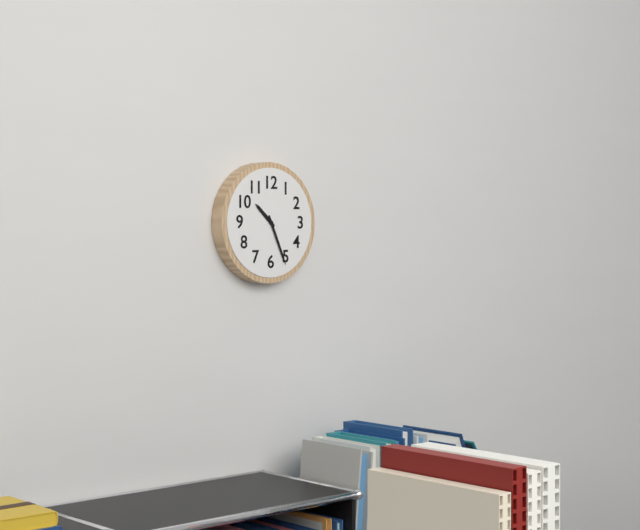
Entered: 10 h 26 min
